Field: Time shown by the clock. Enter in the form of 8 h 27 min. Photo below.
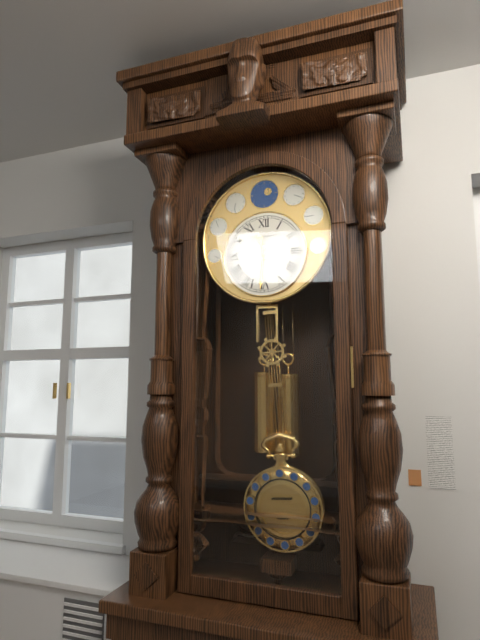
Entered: 11 h 31 min
